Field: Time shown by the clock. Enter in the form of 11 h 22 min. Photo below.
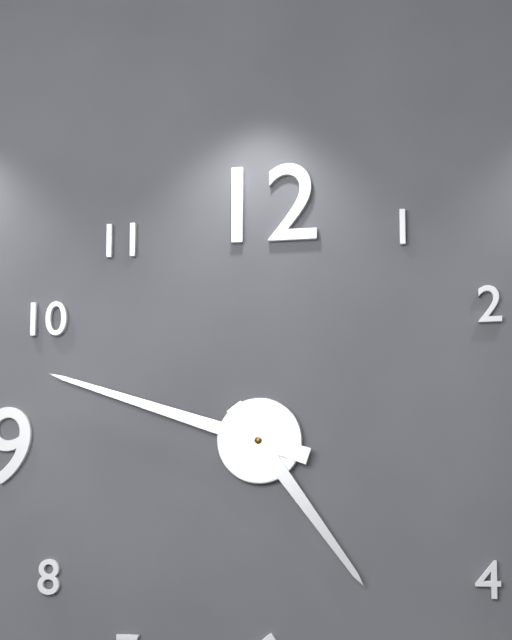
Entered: 4 h 48 min
